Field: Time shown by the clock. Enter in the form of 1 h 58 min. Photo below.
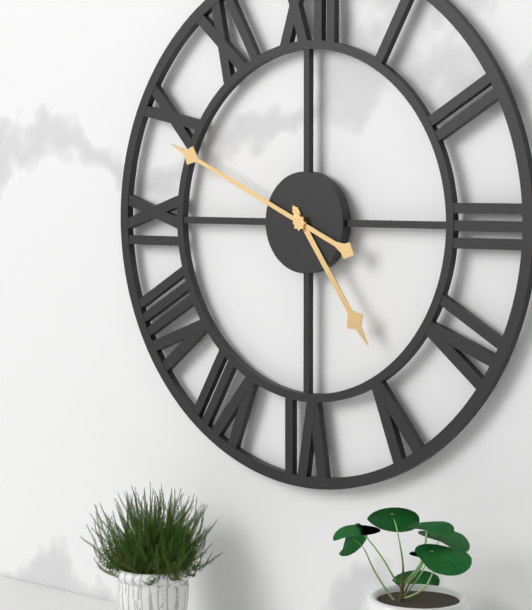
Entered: 4 h 49 min
